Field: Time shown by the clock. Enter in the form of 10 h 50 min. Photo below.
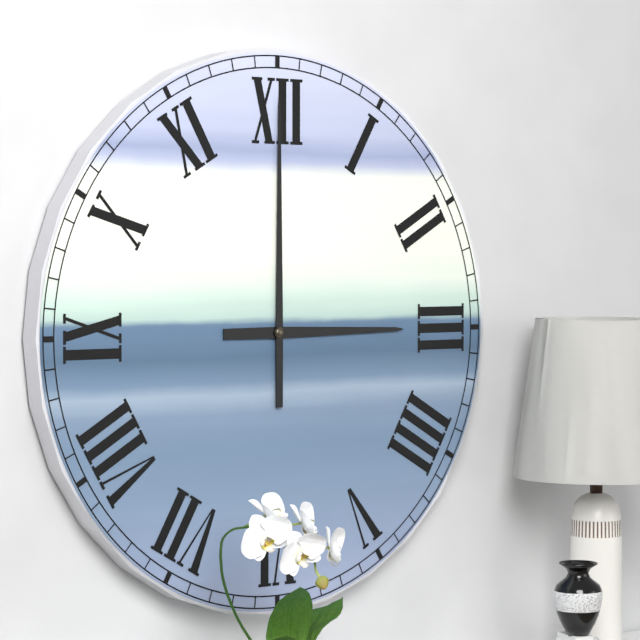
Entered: 3 h 00 min
